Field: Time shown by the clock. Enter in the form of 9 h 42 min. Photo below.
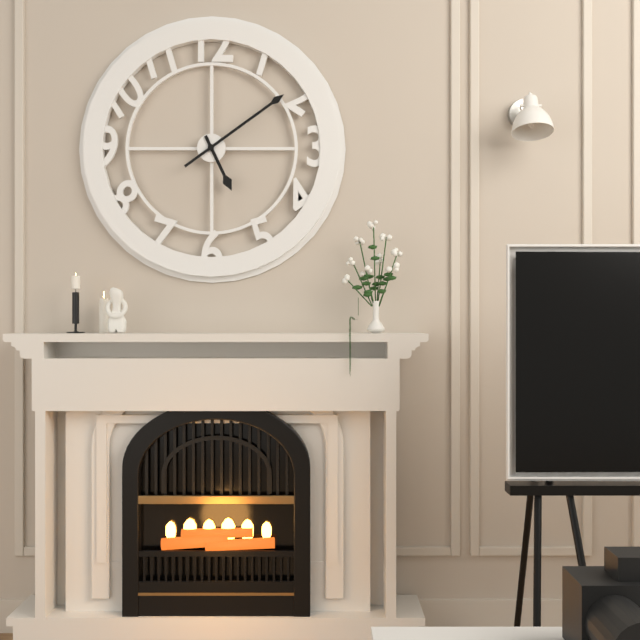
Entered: 5 h 09 min
